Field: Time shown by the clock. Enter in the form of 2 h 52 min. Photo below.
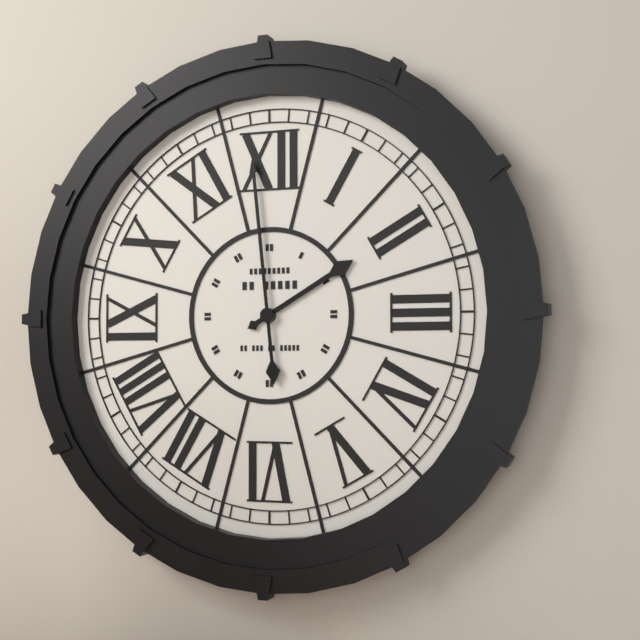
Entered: 1 h 59 min
